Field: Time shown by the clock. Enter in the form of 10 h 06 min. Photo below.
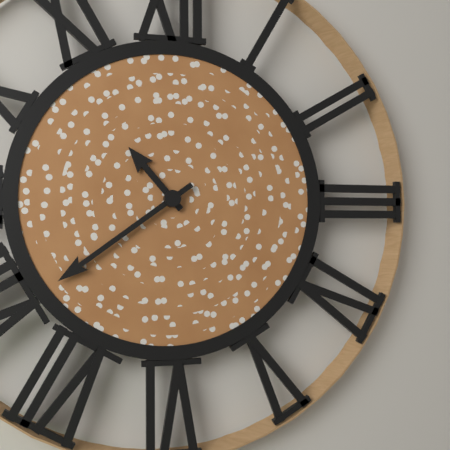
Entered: 10 h 39 min
